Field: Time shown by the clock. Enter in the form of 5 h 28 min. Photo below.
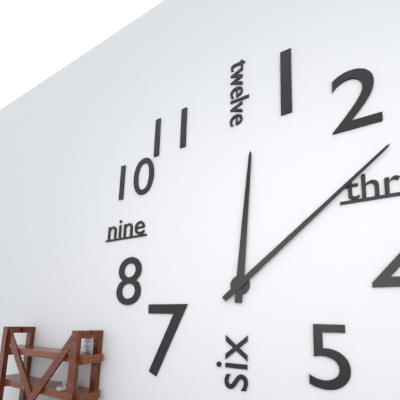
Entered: 12 h 08 min
